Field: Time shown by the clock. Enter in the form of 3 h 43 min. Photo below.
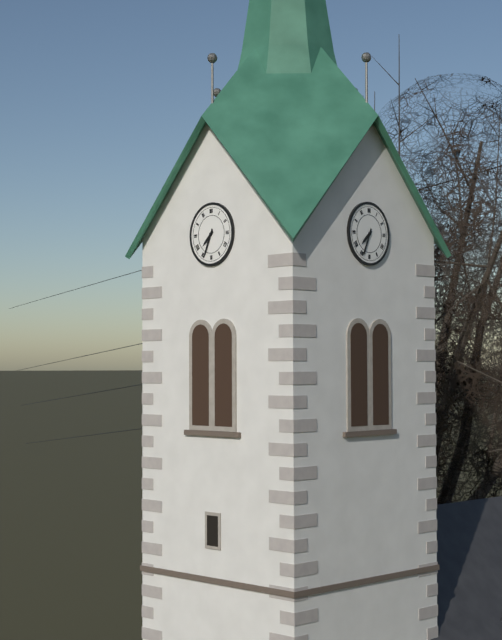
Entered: 7 h 34 min
